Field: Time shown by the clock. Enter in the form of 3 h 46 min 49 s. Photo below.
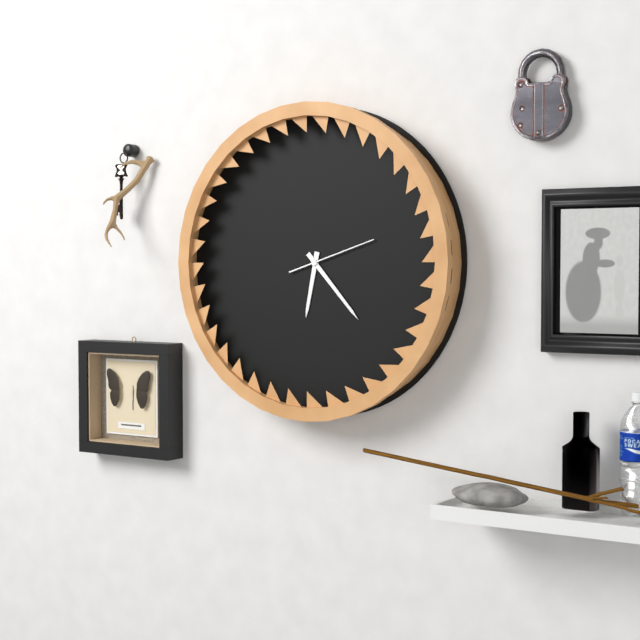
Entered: 6 h 23 min 12 s
